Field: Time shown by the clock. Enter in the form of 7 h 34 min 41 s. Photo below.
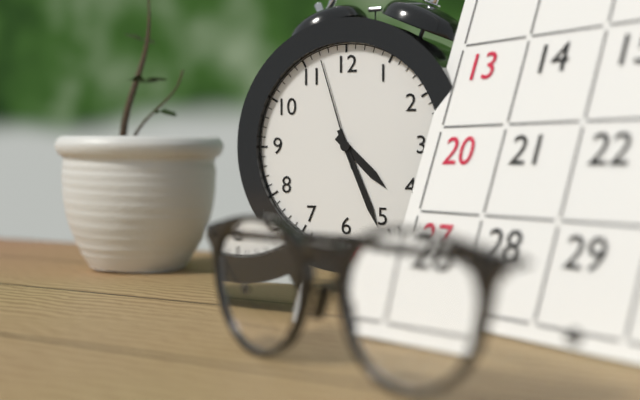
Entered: 4 h 26 min 57 s
